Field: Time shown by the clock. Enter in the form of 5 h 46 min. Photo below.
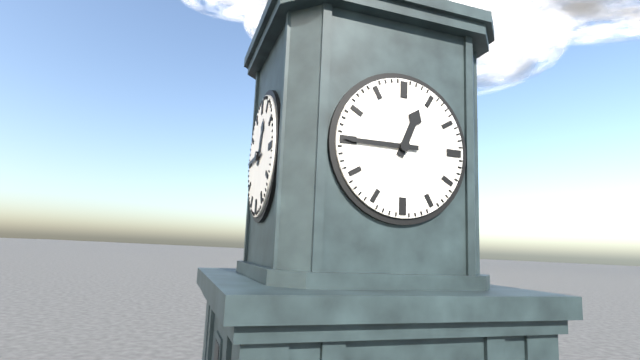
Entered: 12 h 45 min
